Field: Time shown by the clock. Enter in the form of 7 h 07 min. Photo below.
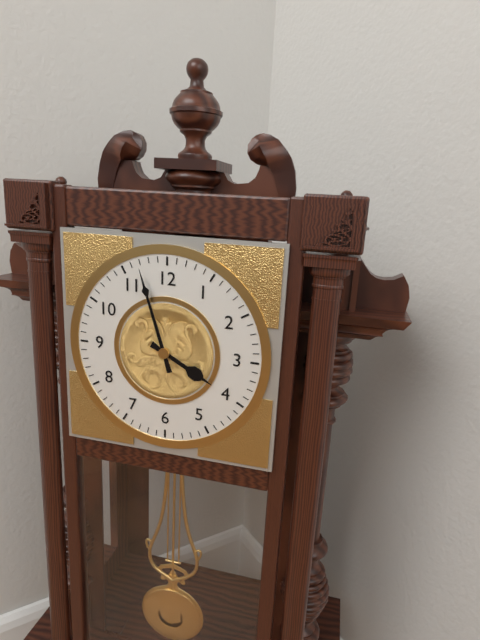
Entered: 3 h 57 min
